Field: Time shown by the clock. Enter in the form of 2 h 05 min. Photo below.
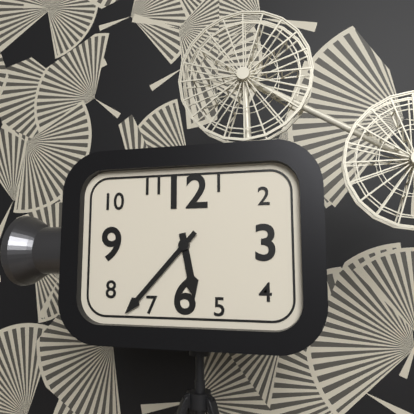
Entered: 5 h 37 min
